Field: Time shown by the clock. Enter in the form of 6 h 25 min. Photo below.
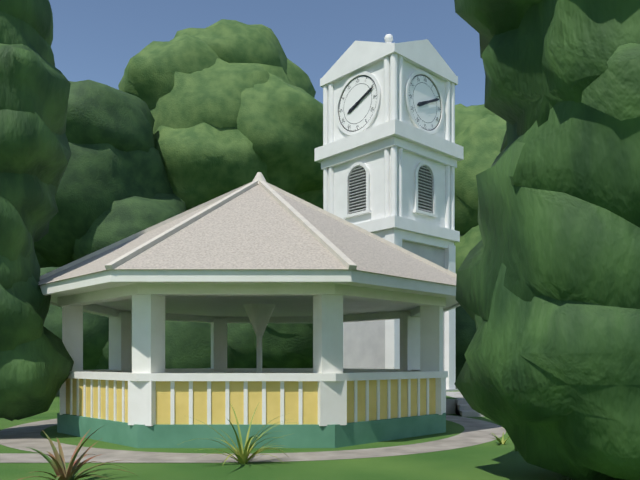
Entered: 8 h 11 min
